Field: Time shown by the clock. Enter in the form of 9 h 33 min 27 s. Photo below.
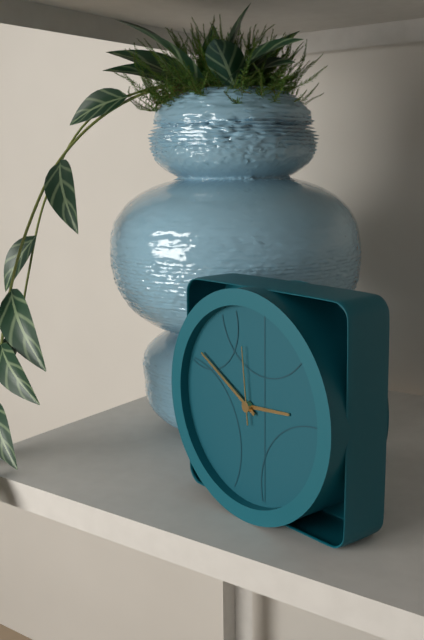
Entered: 2 h 50 min 59 s
